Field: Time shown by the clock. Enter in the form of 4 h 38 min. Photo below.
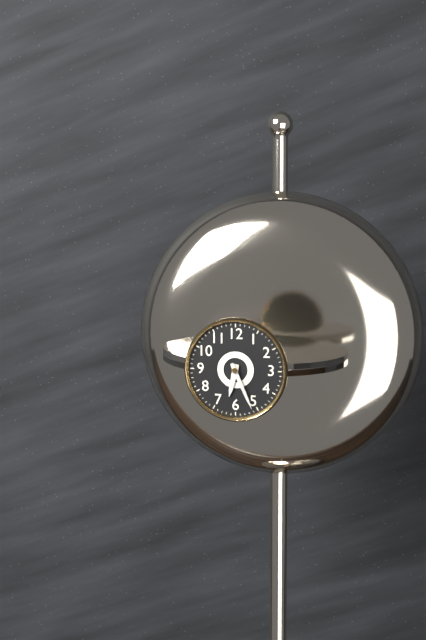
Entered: 6 h 26 min
